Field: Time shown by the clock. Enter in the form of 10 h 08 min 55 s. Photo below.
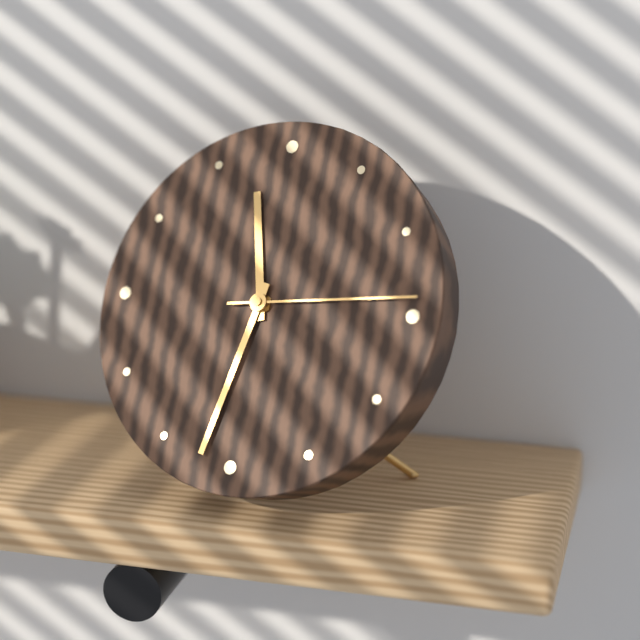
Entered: 11 h 32 min 14 s
